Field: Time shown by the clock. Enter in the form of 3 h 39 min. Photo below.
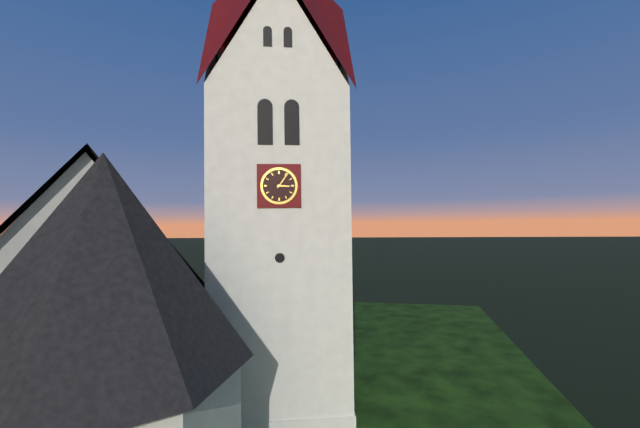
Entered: 3 h 06 min
